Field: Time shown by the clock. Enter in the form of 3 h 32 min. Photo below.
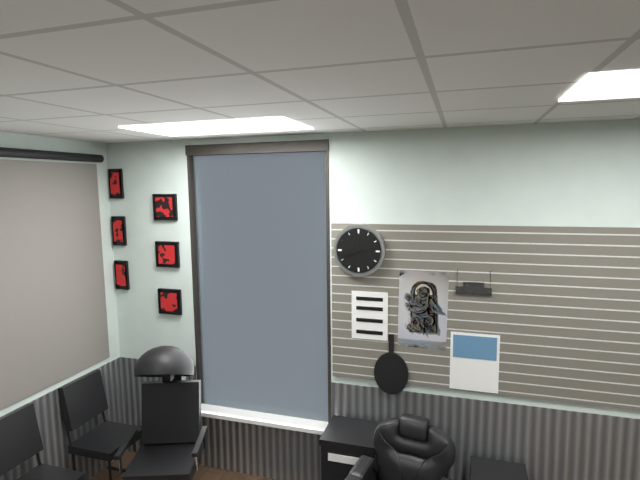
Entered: 10 h 41 min
